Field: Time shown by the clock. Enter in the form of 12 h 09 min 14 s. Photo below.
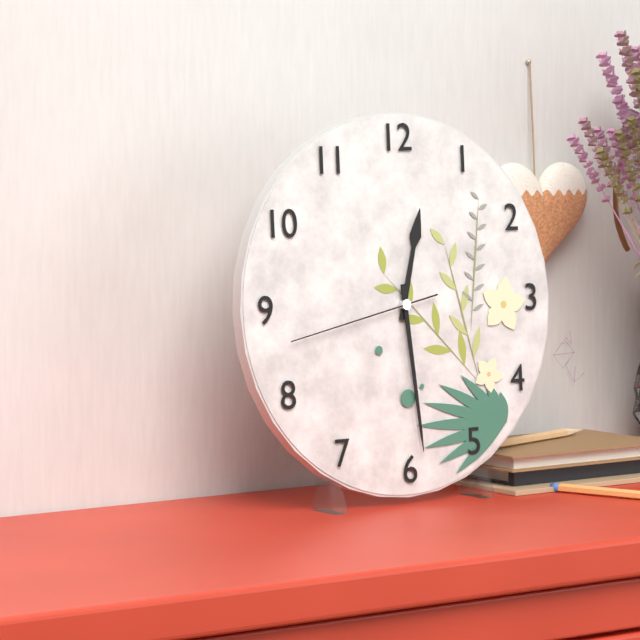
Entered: 12 h 29 min 43 s
